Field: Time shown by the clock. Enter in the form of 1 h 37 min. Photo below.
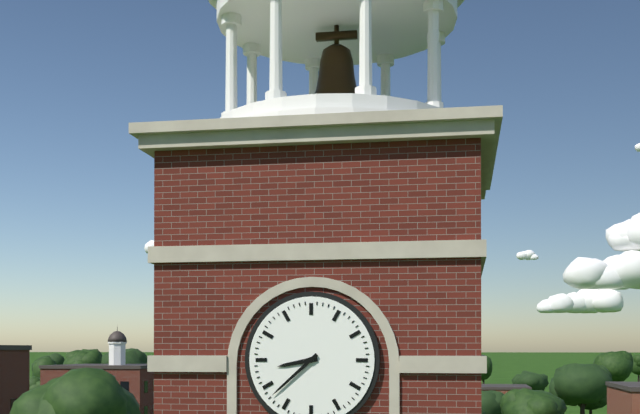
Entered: 8 h 38 min
